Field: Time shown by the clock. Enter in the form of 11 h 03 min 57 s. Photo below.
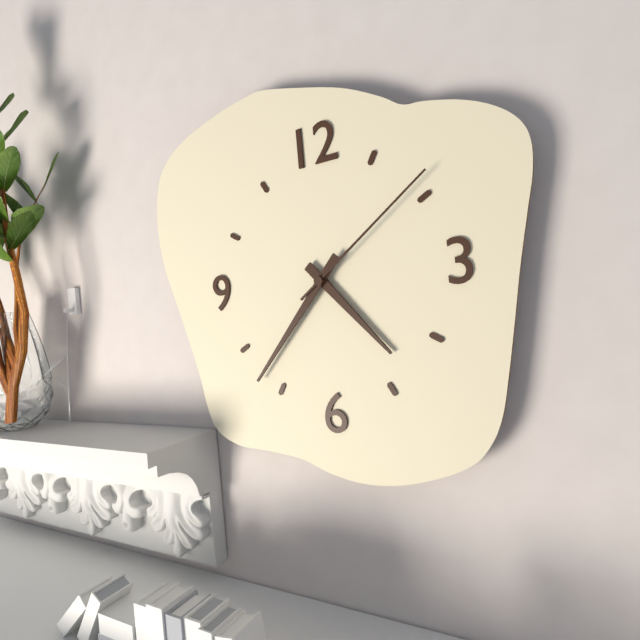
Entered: 4 h 37 min 09 s
